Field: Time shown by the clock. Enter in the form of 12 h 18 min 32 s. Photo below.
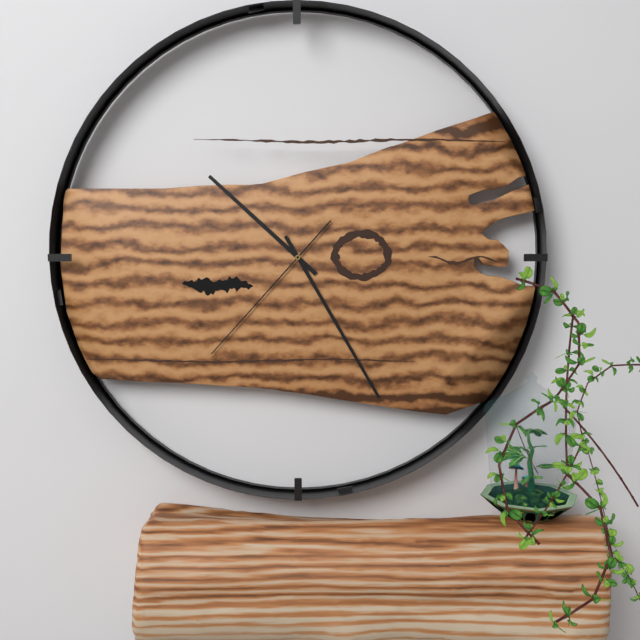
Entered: 10 h 25 min 37 s
